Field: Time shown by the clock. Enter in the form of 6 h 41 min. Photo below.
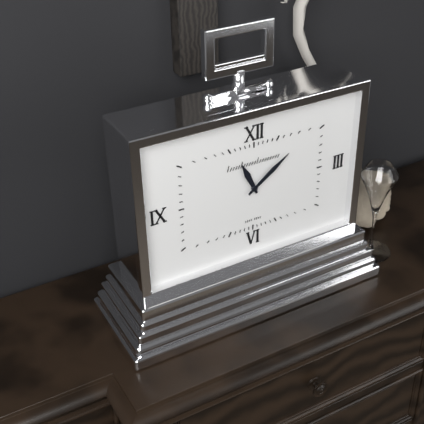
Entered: 11 h 09 min
